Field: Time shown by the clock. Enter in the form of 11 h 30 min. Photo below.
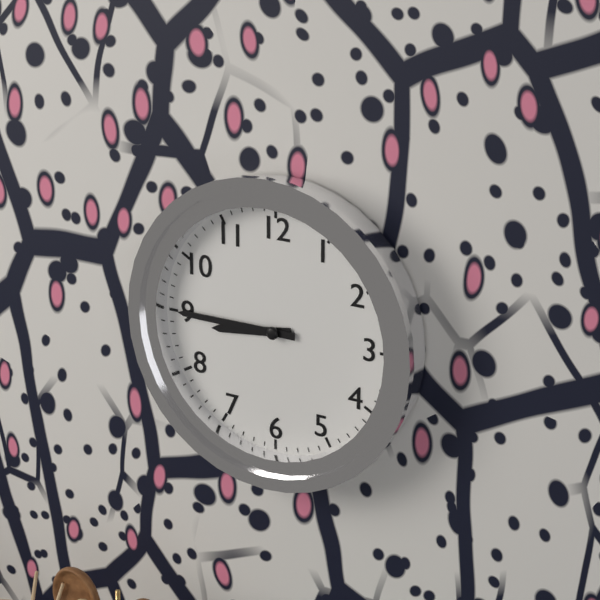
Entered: 8 h 45 min
